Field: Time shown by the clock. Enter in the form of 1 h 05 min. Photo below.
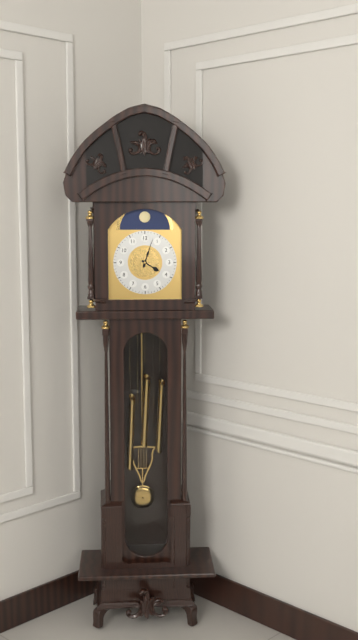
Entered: 4 h 03 min
